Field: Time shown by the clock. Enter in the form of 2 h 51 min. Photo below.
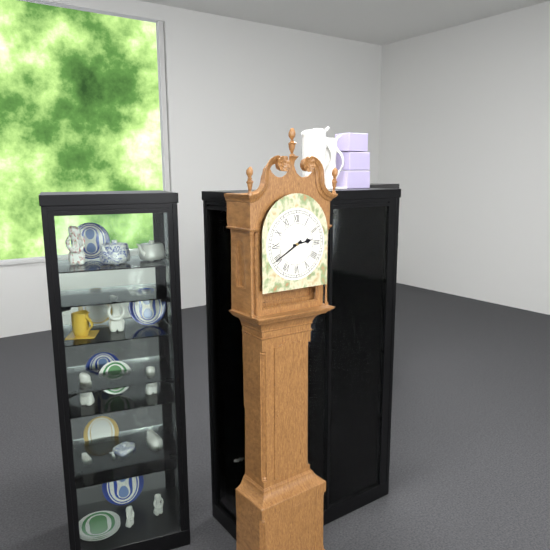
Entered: 2 h 40 min
